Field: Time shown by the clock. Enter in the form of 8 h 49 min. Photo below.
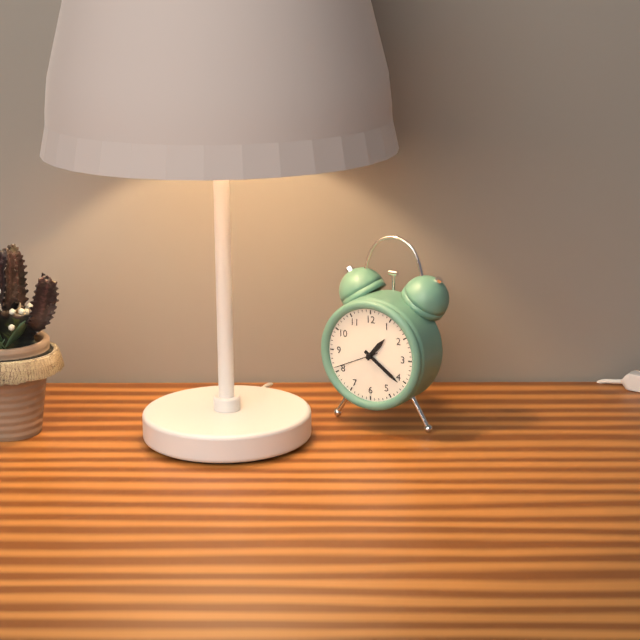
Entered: 1 h 21 min
